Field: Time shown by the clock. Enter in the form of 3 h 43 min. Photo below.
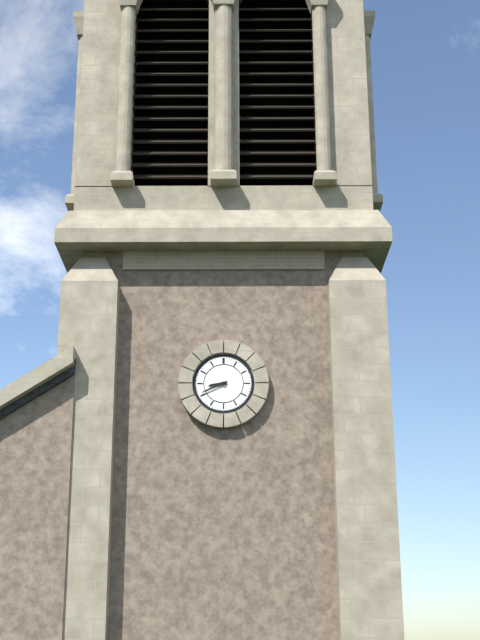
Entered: 8 h 41 min
